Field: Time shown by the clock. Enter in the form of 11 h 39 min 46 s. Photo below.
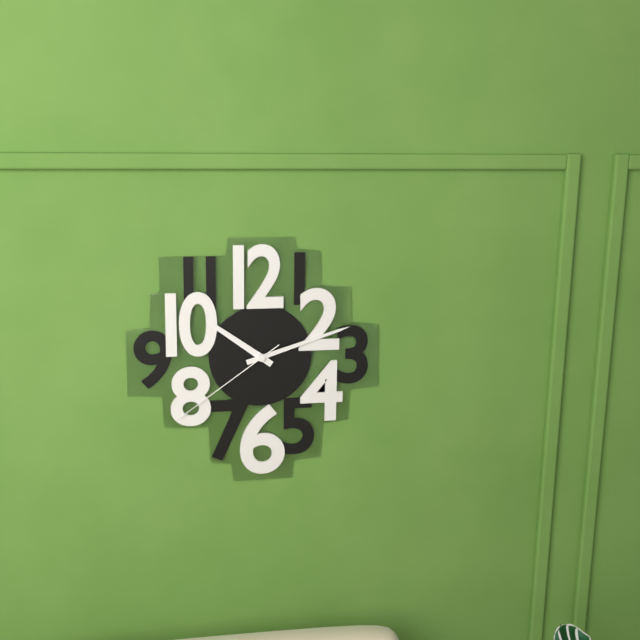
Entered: 10 h 12 min 39 s
